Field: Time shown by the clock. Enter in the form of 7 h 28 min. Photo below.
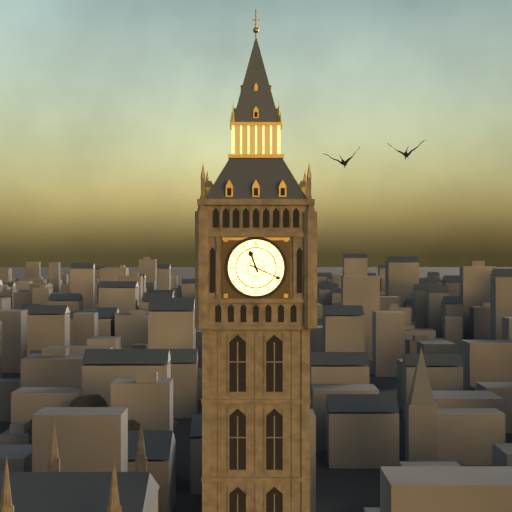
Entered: 11 h 19 min
